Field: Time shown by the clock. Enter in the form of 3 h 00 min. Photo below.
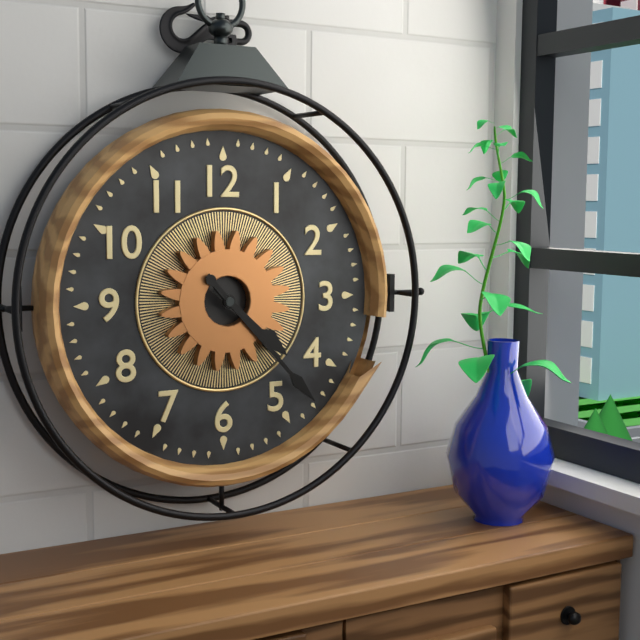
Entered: 4 h 23 min
